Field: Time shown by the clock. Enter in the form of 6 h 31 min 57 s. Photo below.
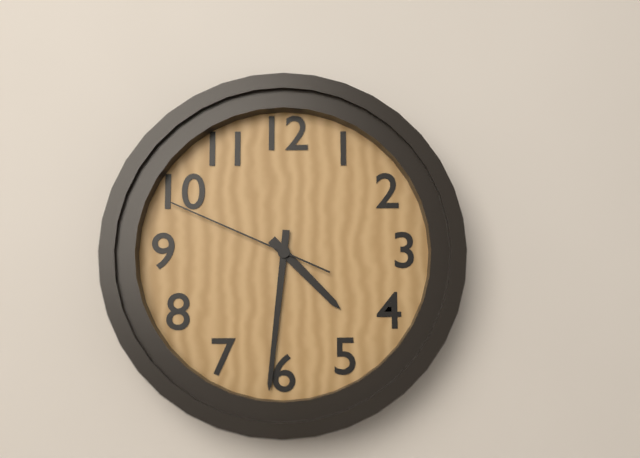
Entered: 4 h 31 min 49 s
